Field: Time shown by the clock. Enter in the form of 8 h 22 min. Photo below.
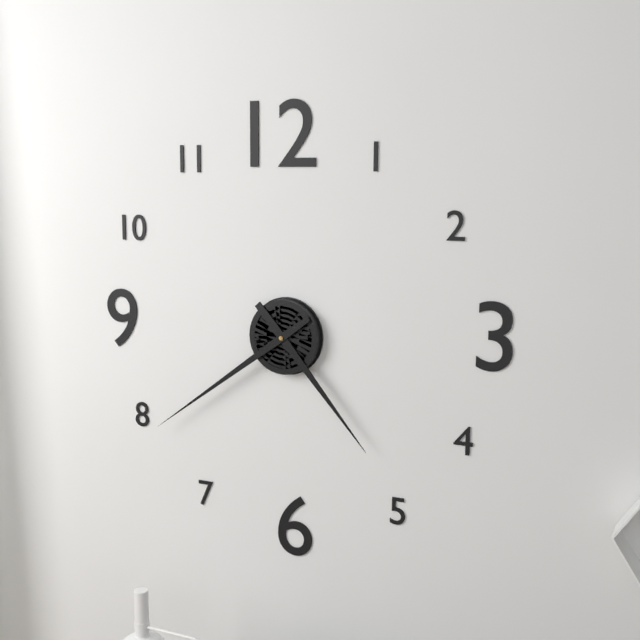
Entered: 4 h 39 min
